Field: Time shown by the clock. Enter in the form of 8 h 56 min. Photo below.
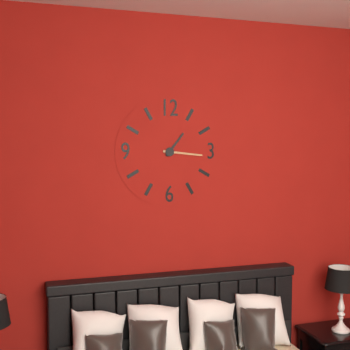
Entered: 1 h 16 min
